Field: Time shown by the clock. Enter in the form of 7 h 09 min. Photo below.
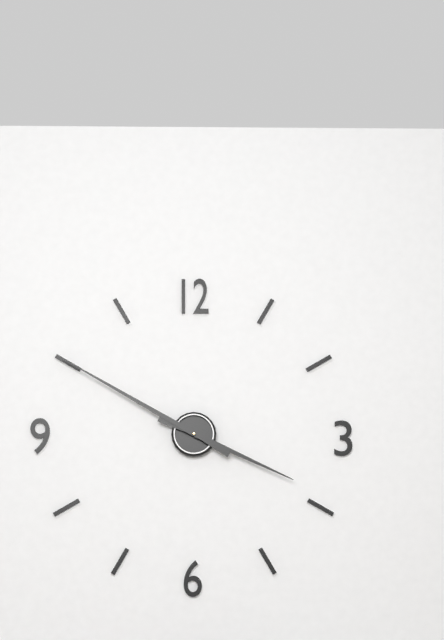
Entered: 3 h 50 min
